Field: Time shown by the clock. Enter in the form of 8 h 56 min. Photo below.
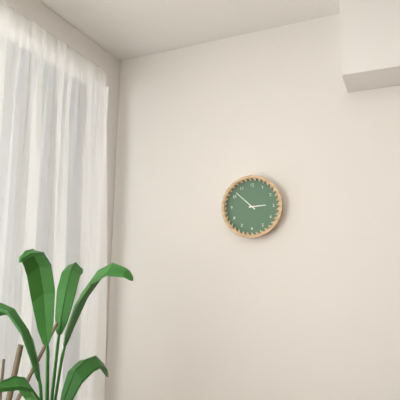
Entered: 2 h 52 min
